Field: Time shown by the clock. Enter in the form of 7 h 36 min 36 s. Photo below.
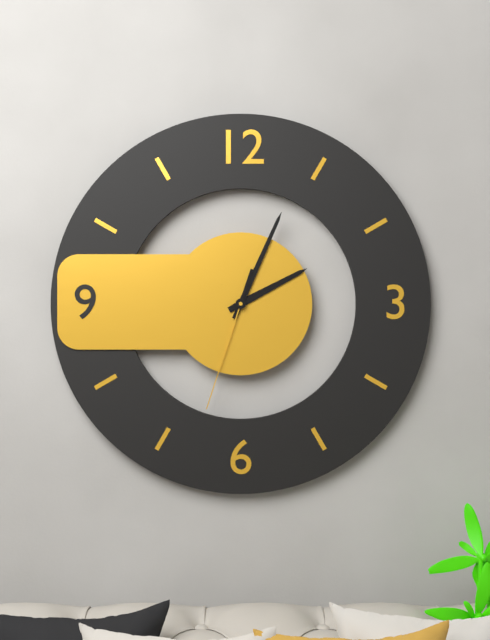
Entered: 2 h 04 min 33 s
